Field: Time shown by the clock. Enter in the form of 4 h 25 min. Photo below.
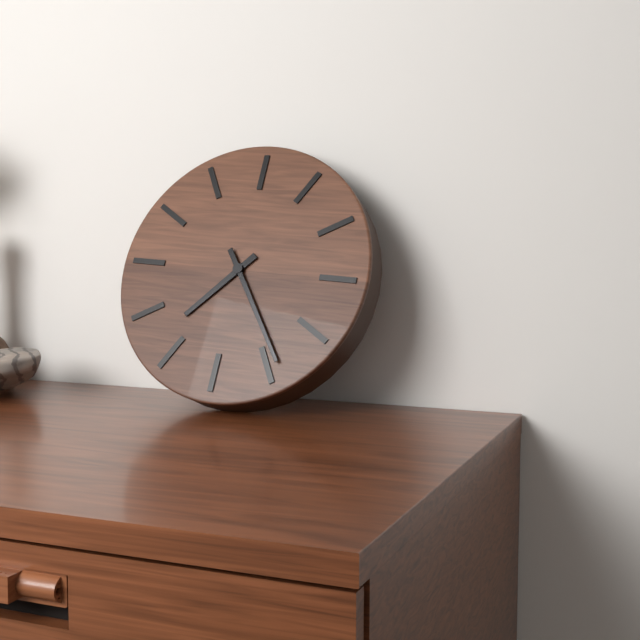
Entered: 7 h 24 min
